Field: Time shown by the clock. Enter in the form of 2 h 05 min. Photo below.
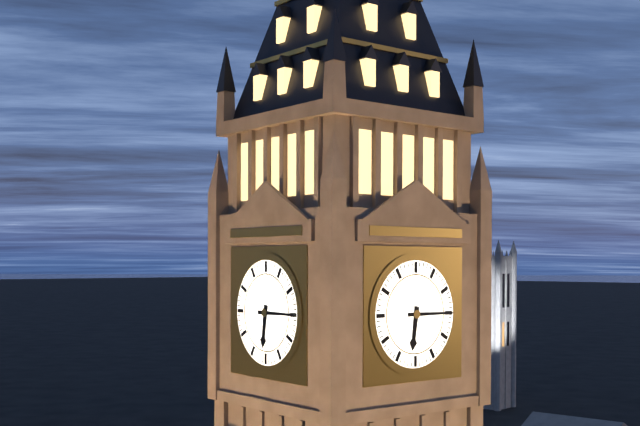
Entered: 6 h 15 min
